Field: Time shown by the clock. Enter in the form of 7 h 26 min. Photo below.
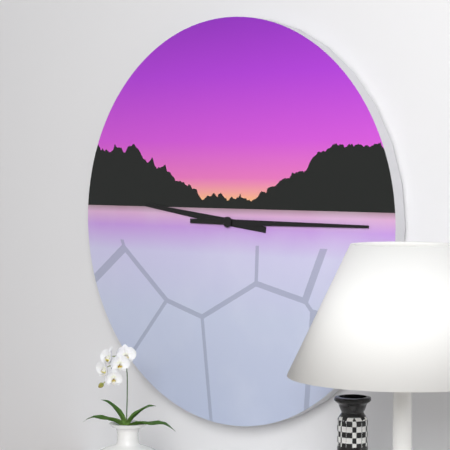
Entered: 9 h 15 min
